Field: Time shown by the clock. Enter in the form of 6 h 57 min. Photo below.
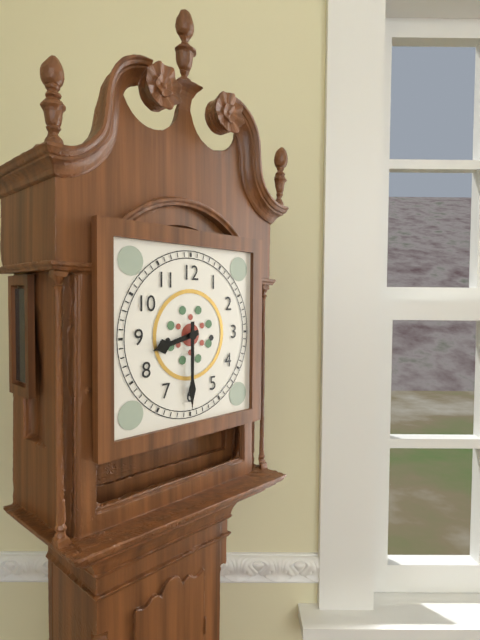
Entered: 8 h 30 min
